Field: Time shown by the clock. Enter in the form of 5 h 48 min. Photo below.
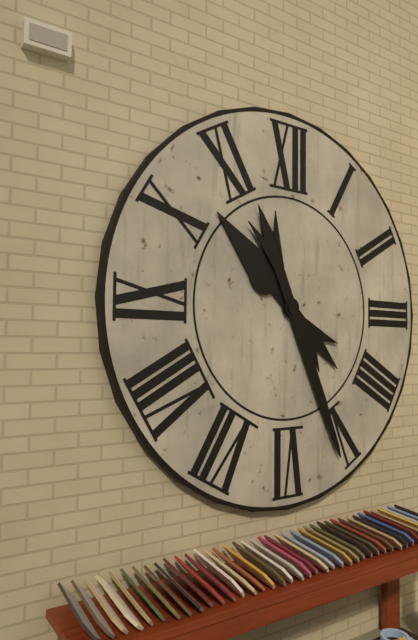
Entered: 10 h 26 min
